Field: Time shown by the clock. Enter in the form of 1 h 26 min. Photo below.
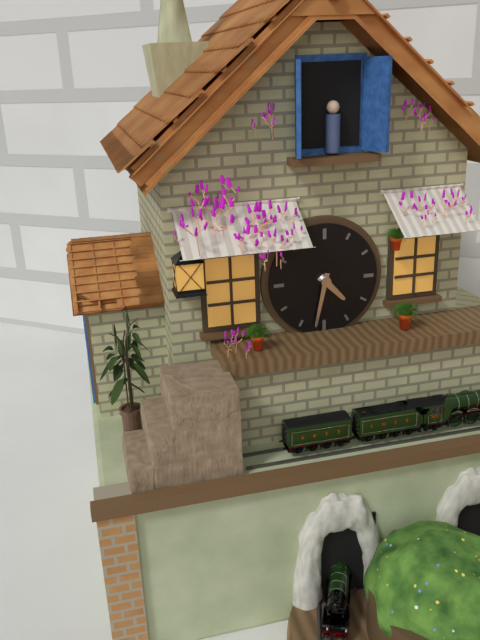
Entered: 4 h 32 min
